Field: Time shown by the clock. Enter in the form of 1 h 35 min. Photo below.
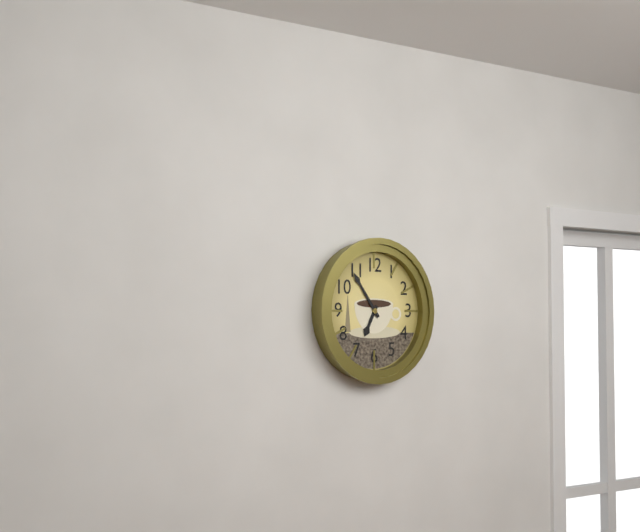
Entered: 6 h 54 min
